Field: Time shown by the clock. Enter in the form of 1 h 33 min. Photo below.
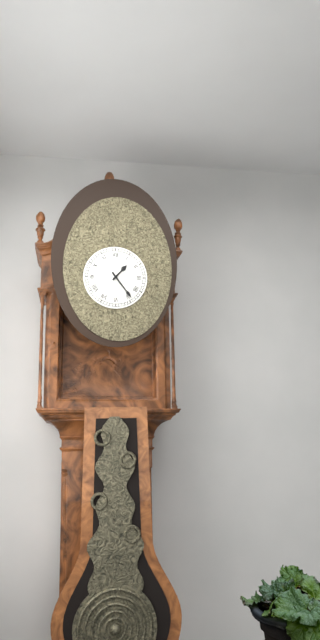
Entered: 1 h 24 min
